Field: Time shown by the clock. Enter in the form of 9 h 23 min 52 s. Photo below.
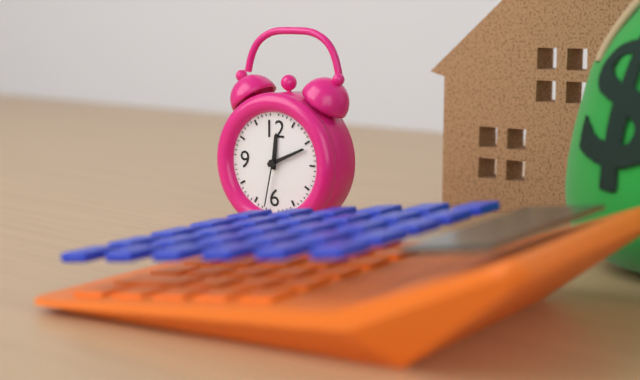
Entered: 12 h 11 min 32 s
